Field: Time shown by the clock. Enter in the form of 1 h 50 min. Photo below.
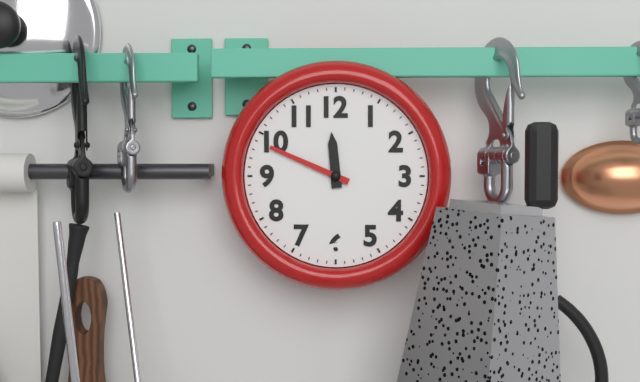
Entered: 11 h 49 min
